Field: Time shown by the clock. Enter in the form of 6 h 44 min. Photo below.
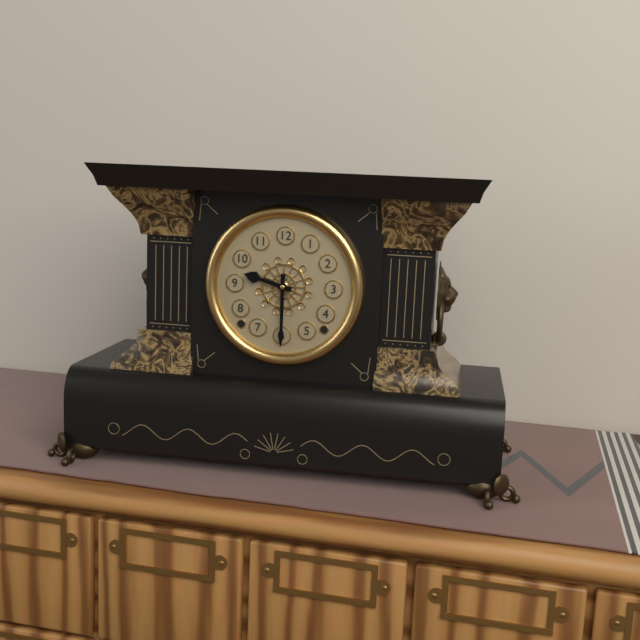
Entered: 9 h 30 min
